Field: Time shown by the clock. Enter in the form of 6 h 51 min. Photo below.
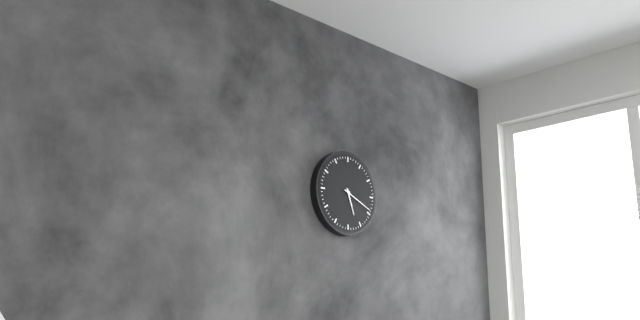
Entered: 5 h 19 min
